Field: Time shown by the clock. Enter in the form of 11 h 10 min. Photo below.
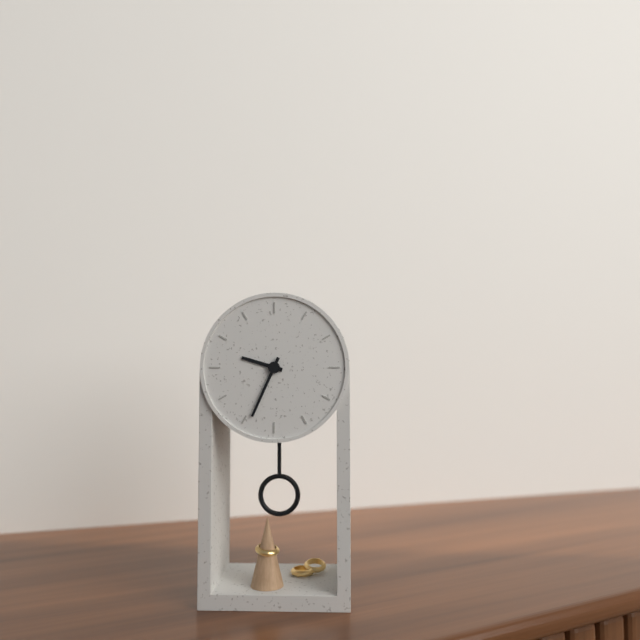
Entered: 9 h 34 min
